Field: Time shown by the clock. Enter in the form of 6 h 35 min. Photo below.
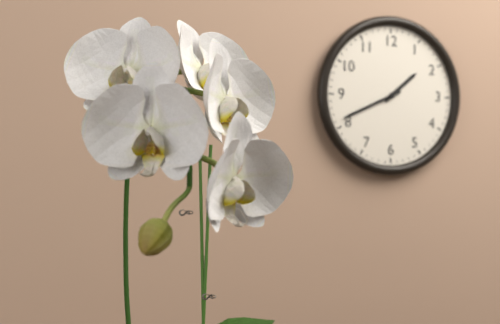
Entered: 1 h 41 min
